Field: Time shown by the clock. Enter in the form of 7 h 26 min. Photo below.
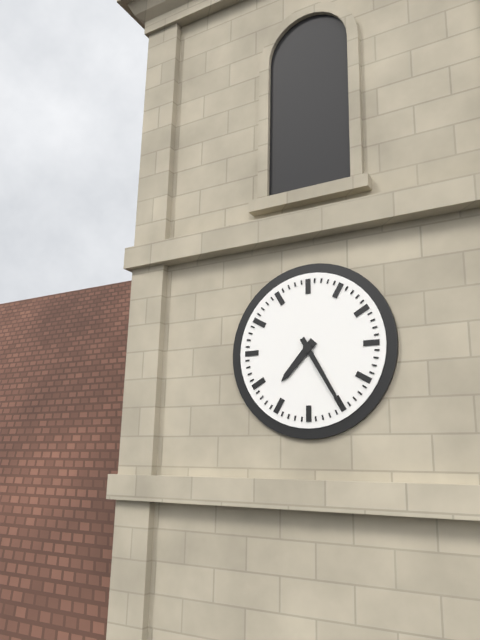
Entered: 7 h 25 min
